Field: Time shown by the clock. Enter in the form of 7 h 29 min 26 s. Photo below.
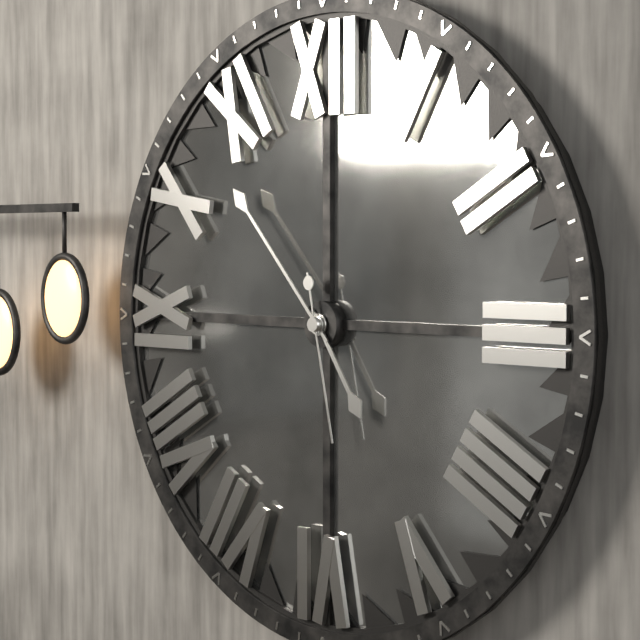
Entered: 4 h 53 min 28 s
